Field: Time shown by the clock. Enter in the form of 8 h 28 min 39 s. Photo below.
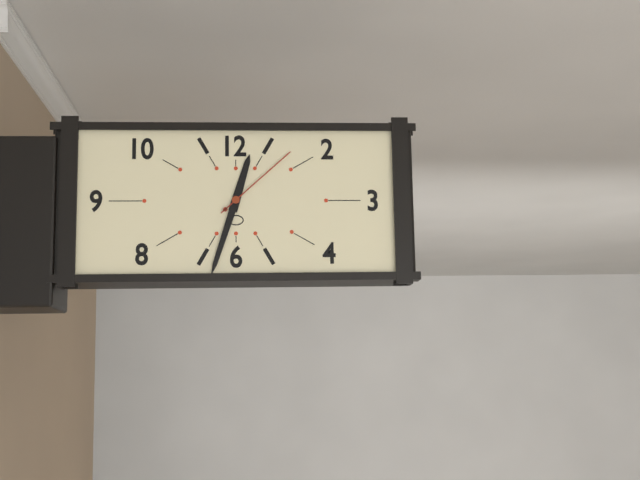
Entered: 12 h 33 min 08 s
